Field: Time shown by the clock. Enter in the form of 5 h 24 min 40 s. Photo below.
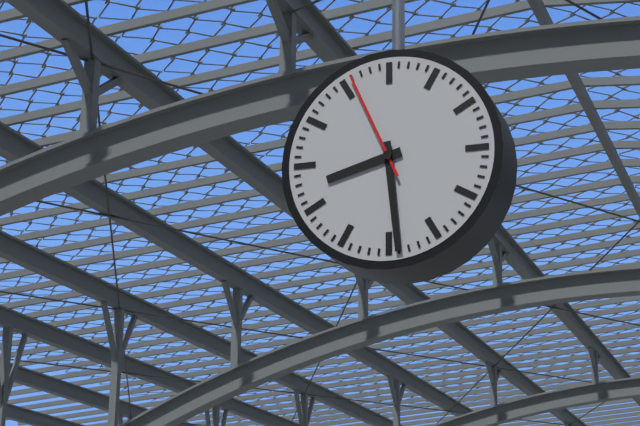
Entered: 8 h 29 min 56 s
